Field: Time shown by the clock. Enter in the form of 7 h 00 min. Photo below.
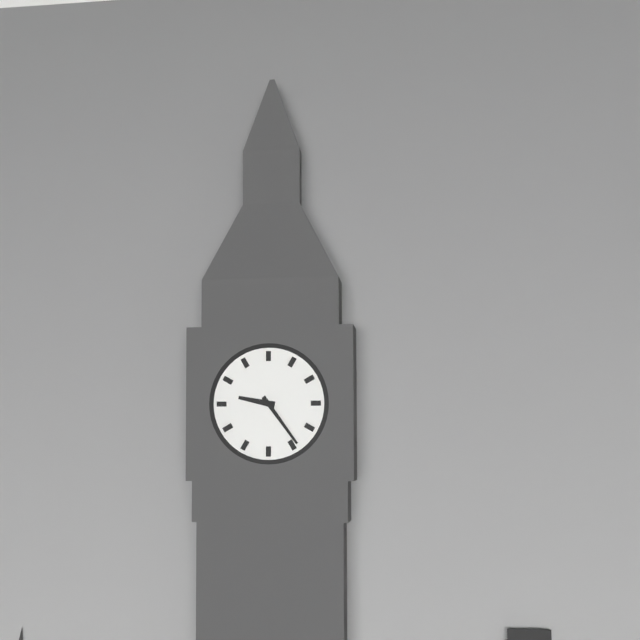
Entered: 9 h 24 min
